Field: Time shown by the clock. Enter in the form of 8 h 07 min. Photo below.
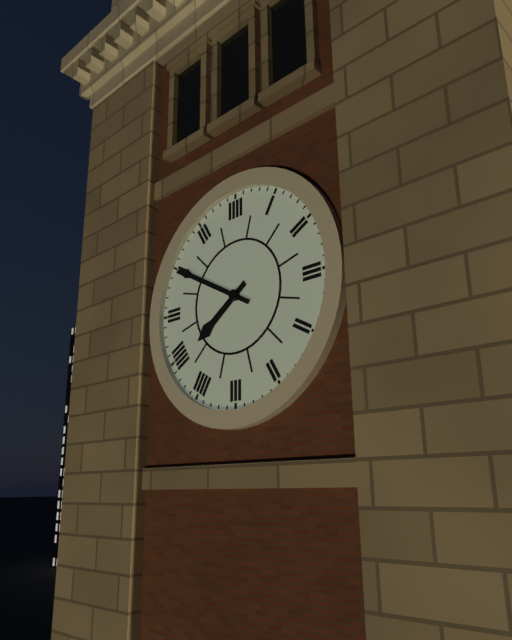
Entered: 7 h 50 min
